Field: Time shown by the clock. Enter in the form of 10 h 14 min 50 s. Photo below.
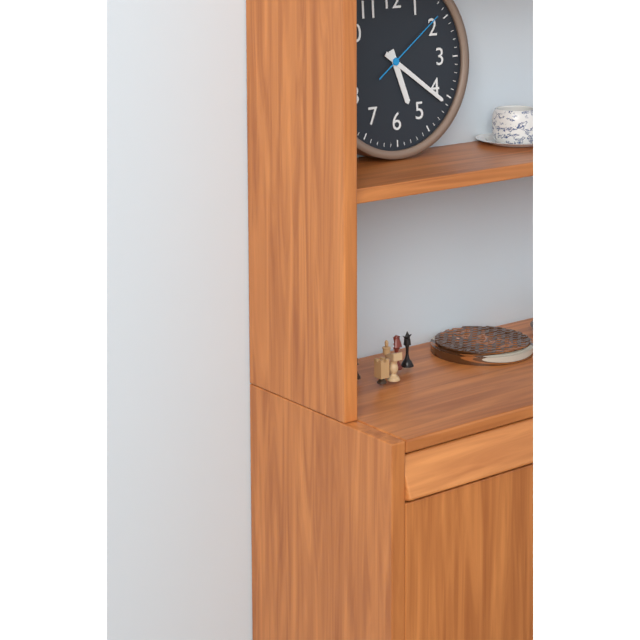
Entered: 5 h 21 min 09 s
